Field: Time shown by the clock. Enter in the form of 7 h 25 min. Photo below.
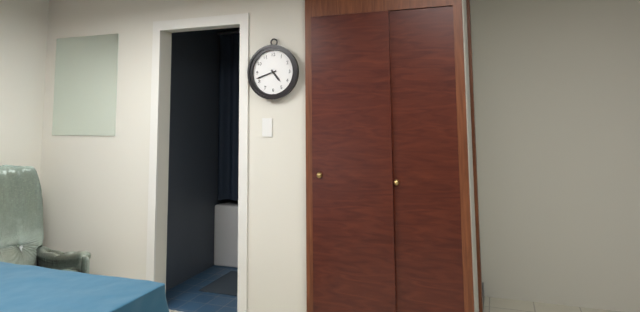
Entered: 4 h 42 min
